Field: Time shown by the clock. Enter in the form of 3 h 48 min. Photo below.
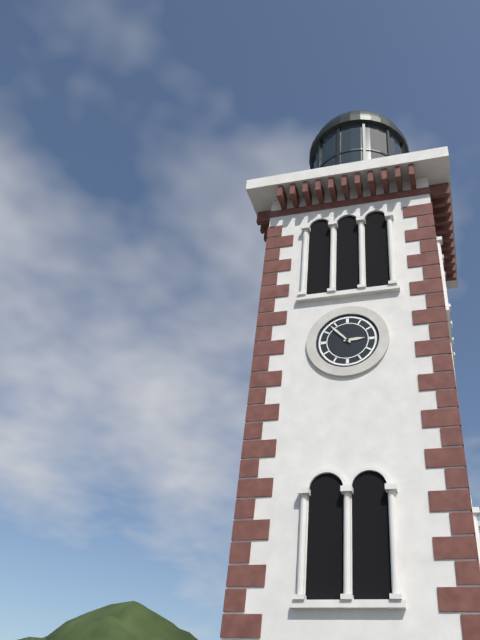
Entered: 2 h 53 min
